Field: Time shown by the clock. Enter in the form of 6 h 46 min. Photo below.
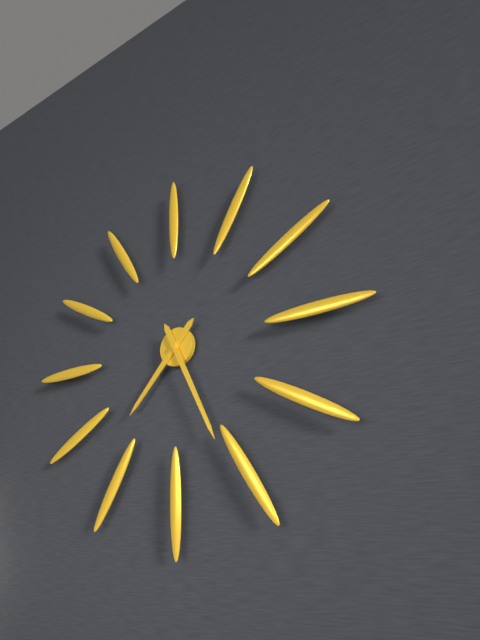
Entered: 7 h 26 min
